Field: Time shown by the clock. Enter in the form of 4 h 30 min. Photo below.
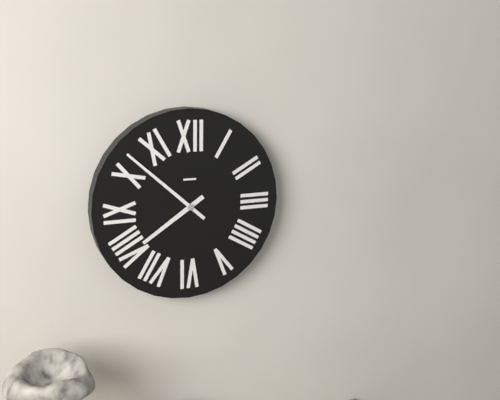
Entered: 7 h 52 min
